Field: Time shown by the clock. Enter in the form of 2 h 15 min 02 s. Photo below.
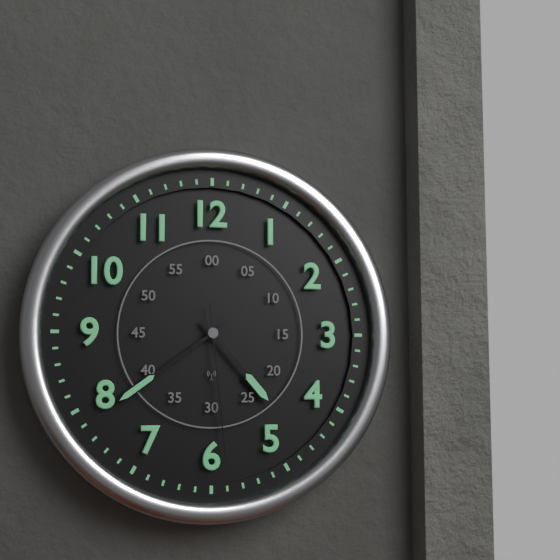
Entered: 4 h 39 min 29 s
